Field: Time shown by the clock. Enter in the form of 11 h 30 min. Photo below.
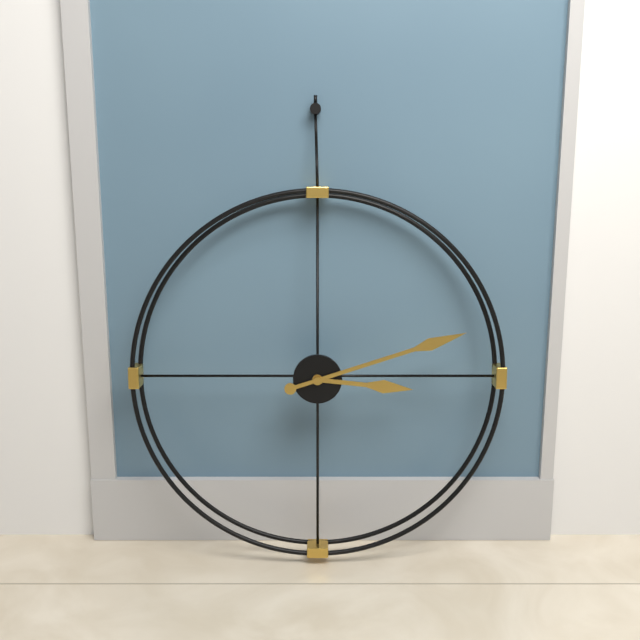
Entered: 3 h 12 min
